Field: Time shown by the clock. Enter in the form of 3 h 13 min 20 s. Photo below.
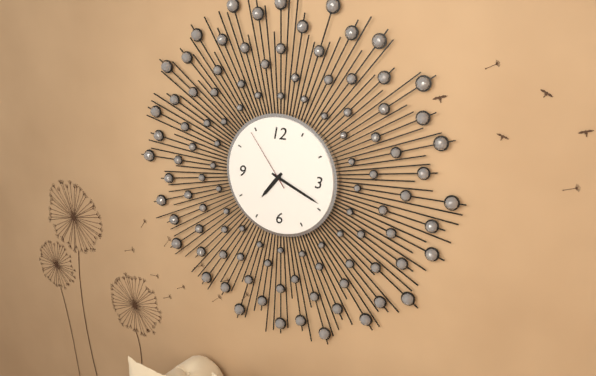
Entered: 7 h 19 min 54 s
